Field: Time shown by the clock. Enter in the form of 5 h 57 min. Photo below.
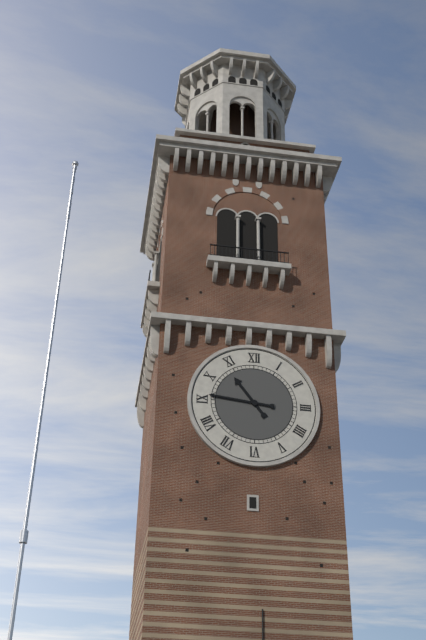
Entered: 10 h 46 min
